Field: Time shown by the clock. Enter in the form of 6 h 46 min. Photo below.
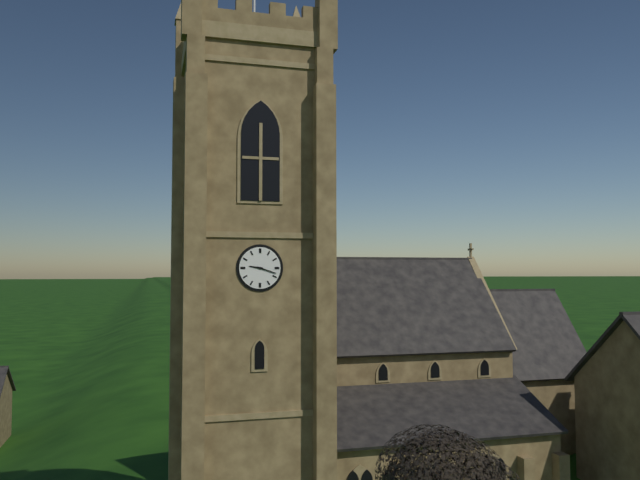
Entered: 9 h 18 min
